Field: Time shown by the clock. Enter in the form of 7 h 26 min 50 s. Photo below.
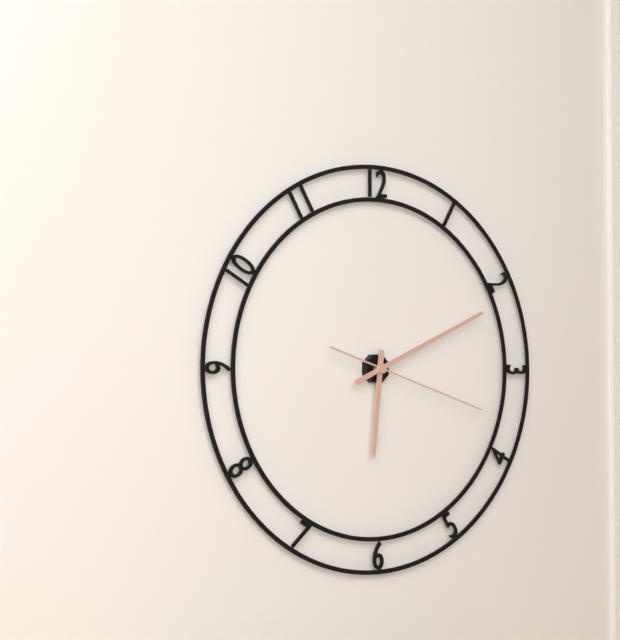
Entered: 6 h 11 min 18 s
